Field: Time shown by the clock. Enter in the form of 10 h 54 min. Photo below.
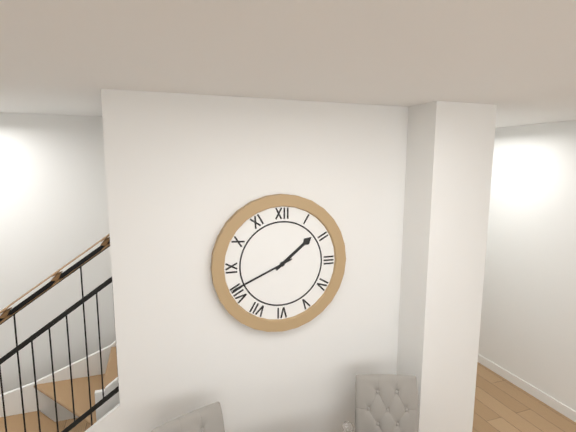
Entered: 1 h 41 min
